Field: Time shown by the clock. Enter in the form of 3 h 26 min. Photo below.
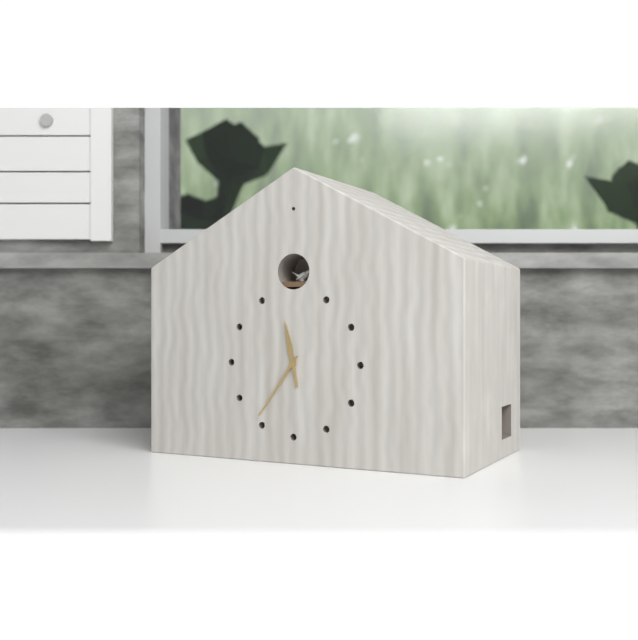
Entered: 11 h 36 min
